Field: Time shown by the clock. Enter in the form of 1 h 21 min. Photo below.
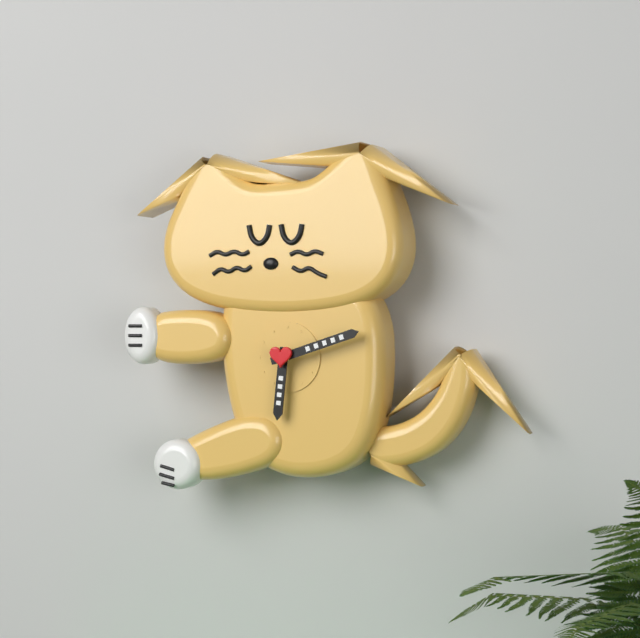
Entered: 6 h 12 min
